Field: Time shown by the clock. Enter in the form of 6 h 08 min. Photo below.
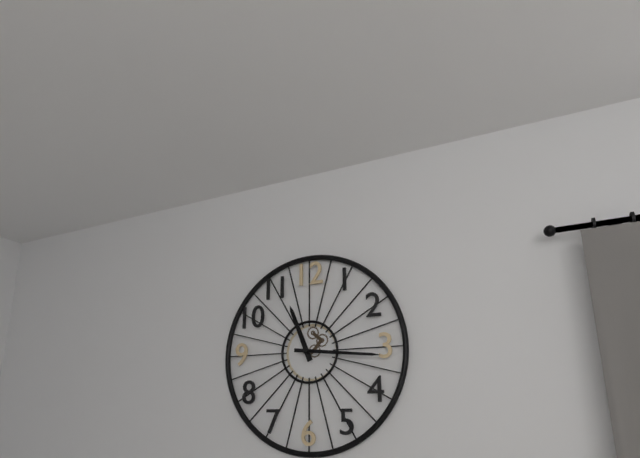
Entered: 11 h 16 min
